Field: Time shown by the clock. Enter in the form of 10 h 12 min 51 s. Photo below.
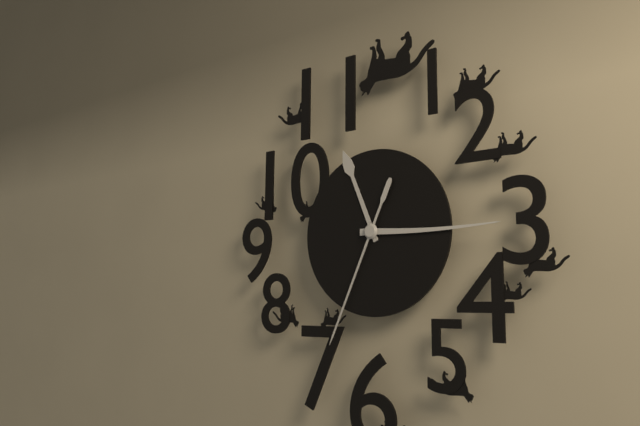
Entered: 11 h 15 min 34 s
